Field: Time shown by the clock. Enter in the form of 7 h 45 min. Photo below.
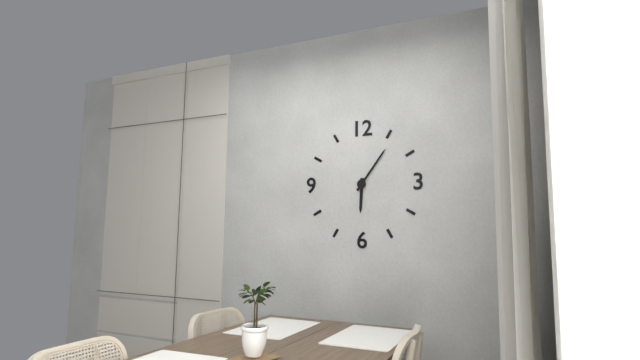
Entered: 6 h 06 min
